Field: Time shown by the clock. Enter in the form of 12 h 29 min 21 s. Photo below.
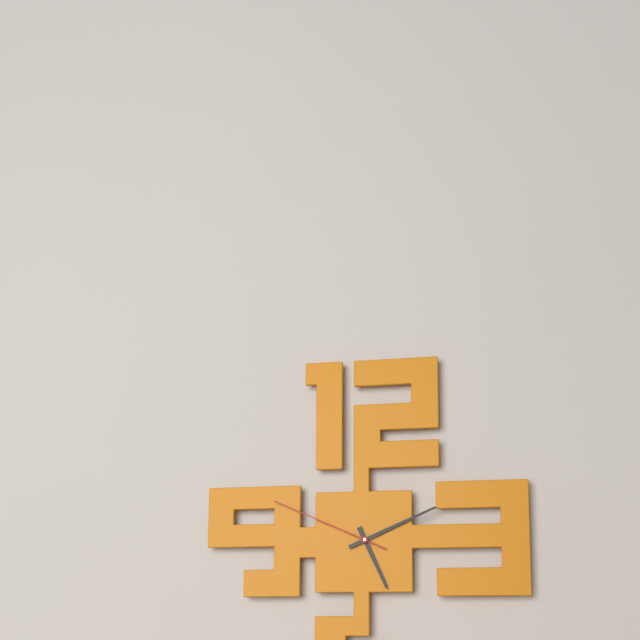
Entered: 5 h 11 min 49 s
